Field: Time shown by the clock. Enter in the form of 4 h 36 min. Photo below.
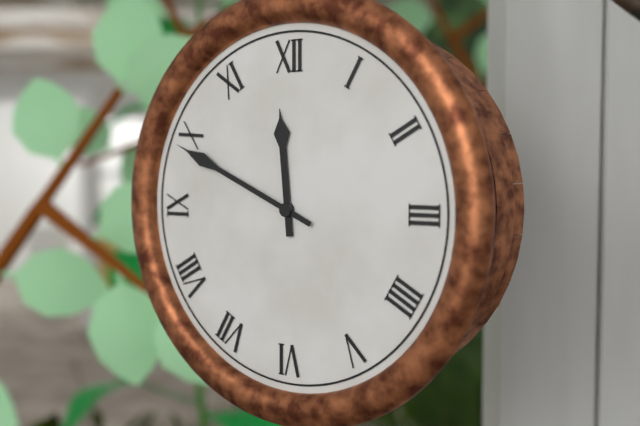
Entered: 11 h 49 min
